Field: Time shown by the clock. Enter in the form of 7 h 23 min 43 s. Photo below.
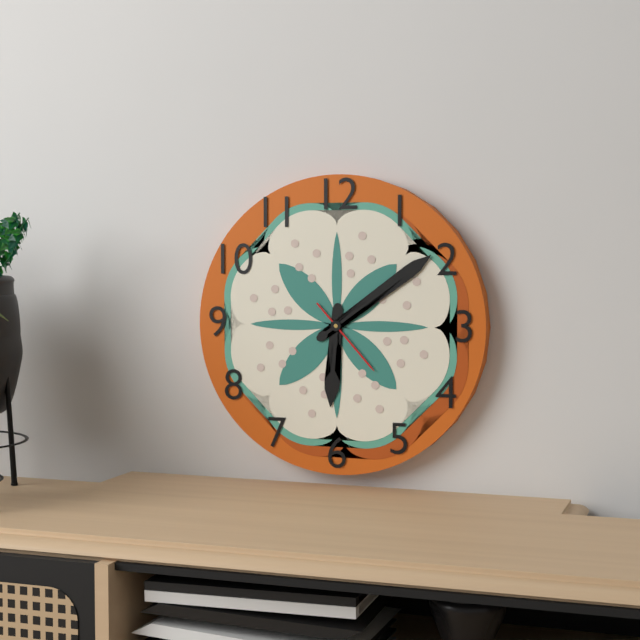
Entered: 6 h 09 min 23 s
